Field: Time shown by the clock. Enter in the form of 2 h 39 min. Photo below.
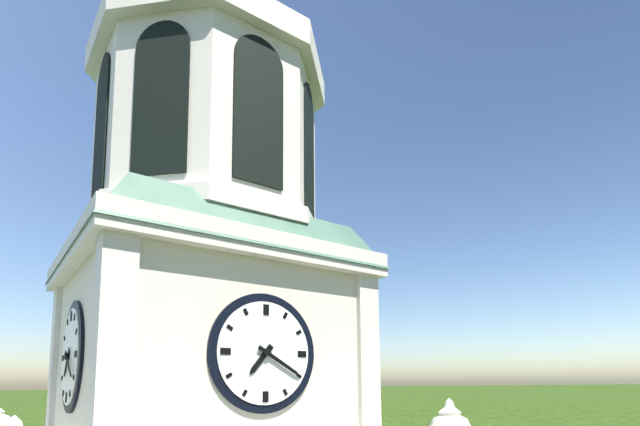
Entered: 7 h 20 min
